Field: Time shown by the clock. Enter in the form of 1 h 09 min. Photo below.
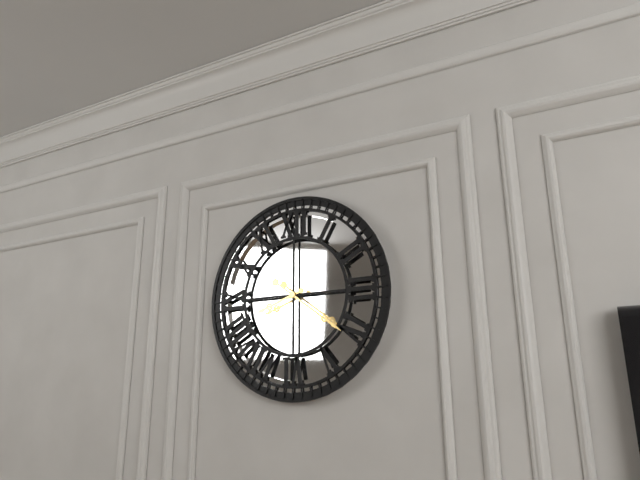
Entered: 8 h 21 min
